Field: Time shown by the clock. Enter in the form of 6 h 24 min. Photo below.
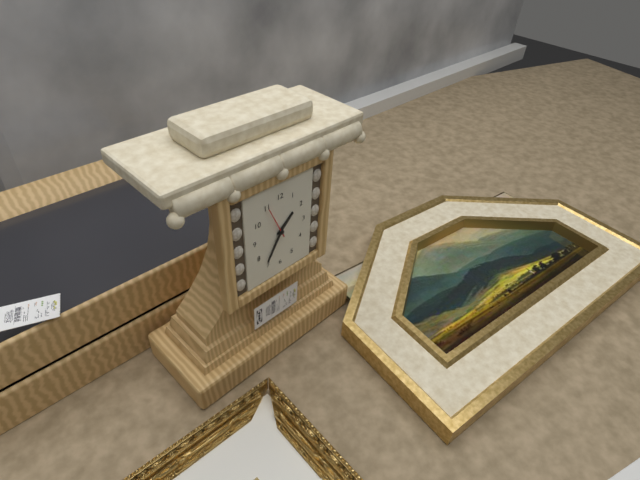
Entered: 1 h 35 min
